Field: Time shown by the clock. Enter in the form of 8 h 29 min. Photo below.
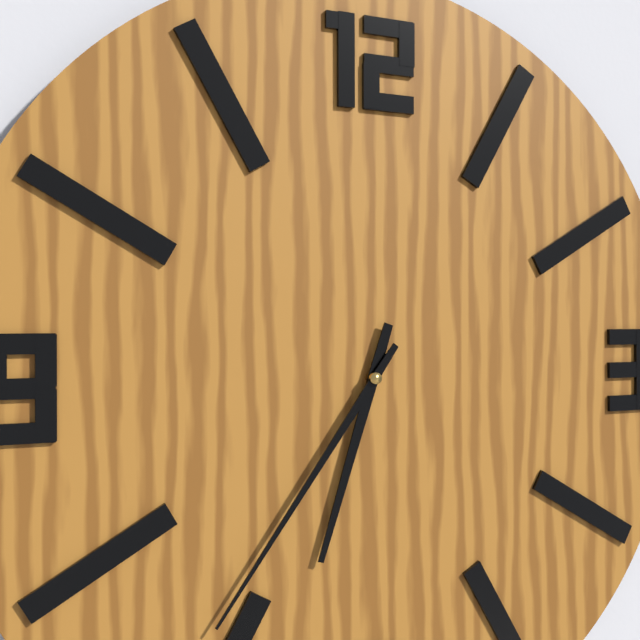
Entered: 6 h 36 min
